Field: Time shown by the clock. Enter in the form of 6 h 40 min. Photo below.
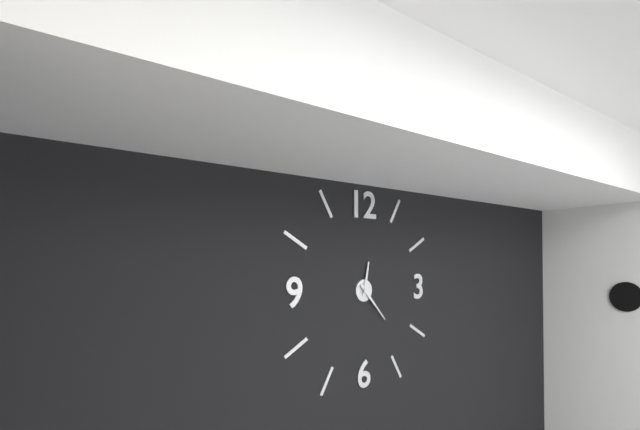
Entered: 12 h 23 min
